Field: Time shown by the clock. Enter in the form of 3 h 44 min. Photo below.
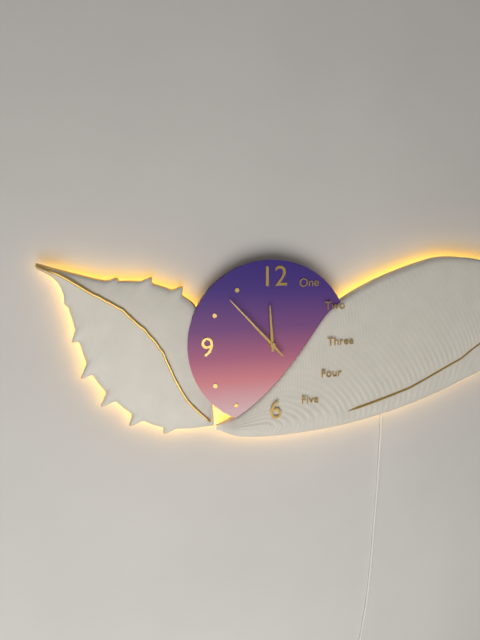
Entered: 11 h 53 min
